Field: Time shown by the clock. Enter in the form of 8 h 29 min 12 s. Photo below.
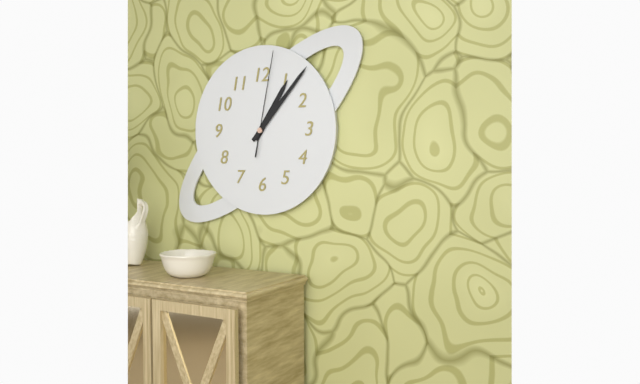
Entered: 1 h 07 min 02 s
